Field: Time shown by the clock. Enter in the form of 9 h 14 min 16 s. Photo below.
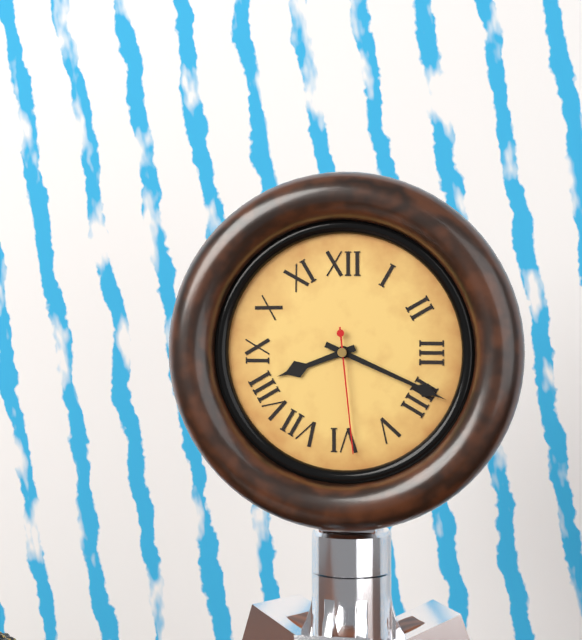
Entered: 8 h 19 min 29 s
